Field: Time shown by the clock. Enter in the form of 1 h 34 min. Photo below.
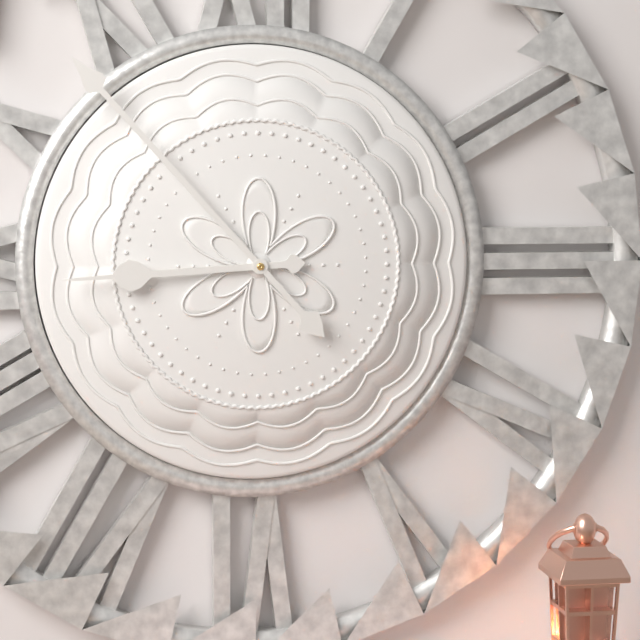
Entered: 8 h 53 min
